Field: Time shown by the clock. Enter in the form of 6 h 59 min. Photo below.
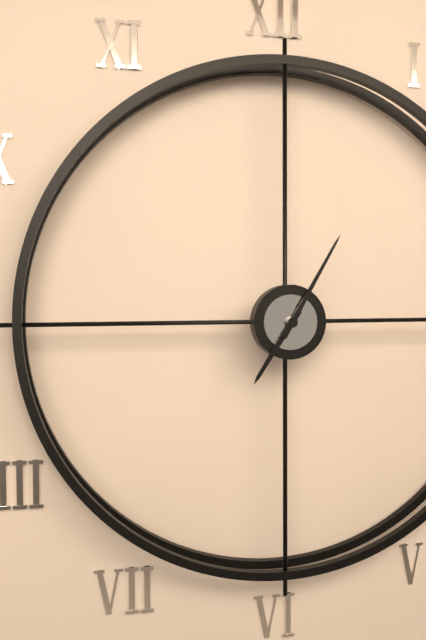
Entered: 7 h 05 min
